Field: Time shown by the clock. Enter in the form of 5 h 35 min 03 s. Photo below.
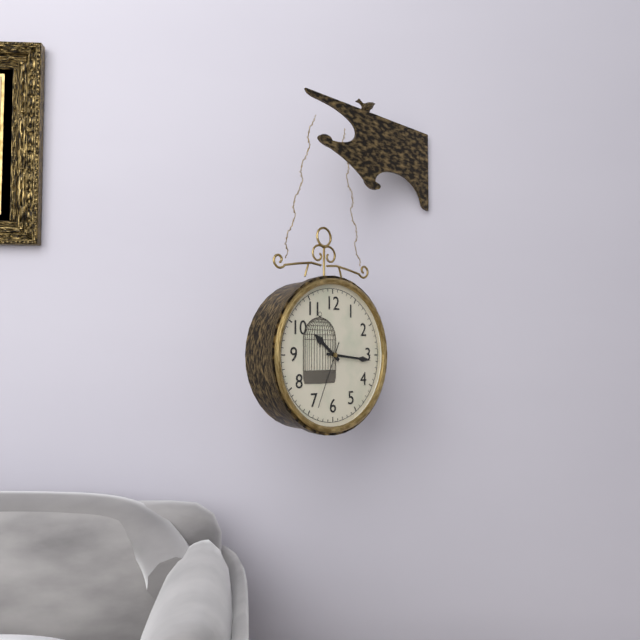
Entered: 10 h 16 min 34 s
